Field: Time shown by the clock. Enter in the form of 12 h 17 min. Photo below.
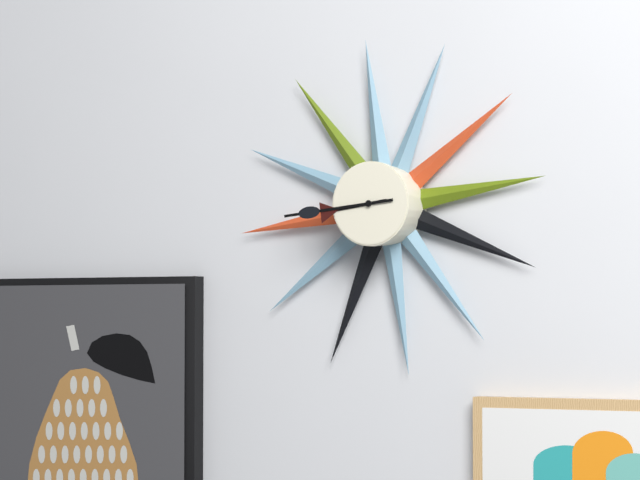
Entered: 8 h 44 min
